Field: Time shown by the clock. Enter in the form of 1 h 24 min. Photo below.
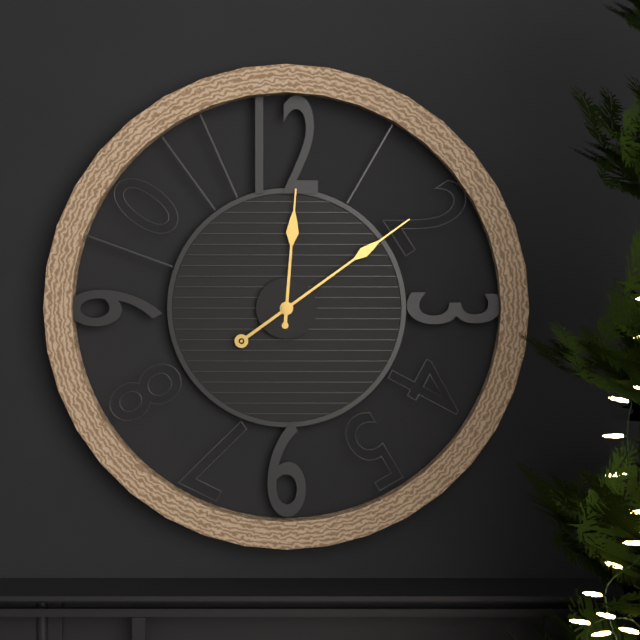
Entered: 12 h 09 min
